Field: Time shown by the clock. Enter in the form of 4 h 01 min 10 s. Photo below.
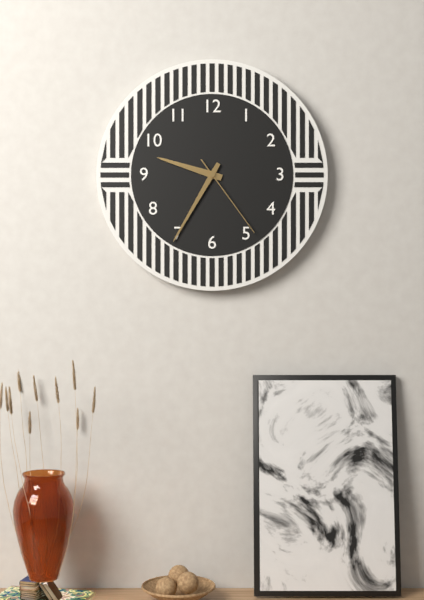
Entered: 9 h 35 min 24 s
